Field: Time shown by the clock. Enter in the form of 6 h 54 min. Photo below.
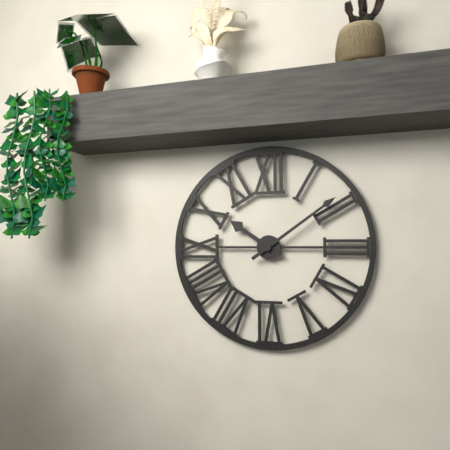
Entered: 10 h 09 min
